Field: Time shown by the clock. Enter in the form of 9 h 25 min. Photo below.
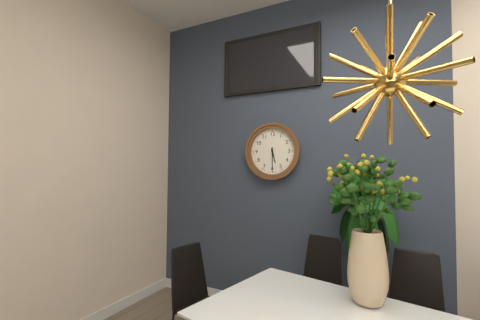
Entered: 5 h 30 min
